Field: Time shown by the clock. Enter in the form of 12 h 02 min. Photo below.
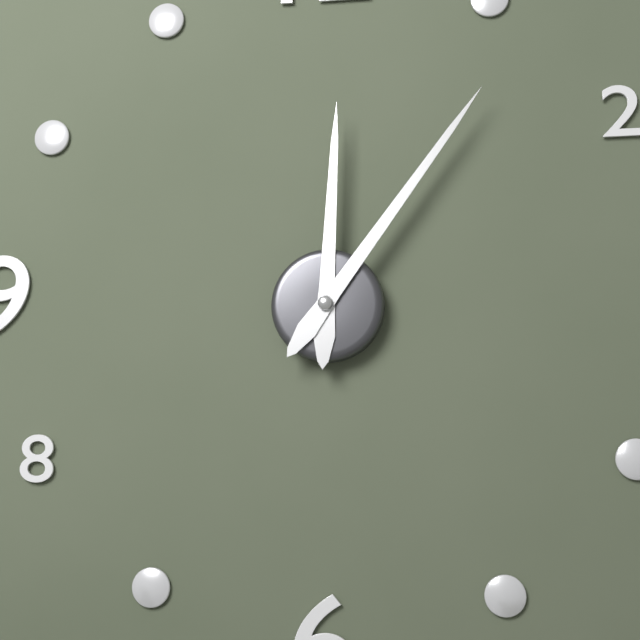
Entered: 12 h 06 min
